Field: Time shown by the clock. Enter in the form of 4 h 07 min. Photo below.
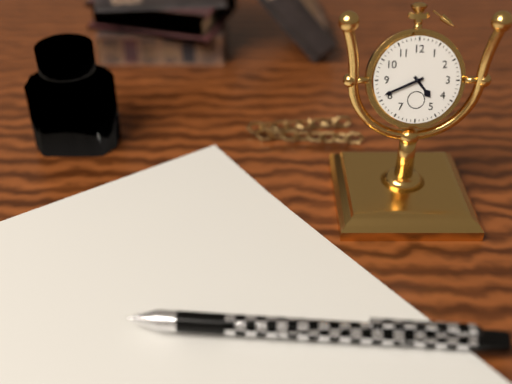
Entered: 4 h 41 min
